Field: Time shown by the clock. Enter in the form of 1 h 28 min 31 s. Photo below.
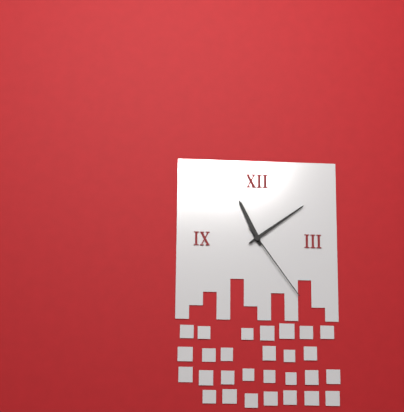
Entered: 11 h 09 min 24 s
